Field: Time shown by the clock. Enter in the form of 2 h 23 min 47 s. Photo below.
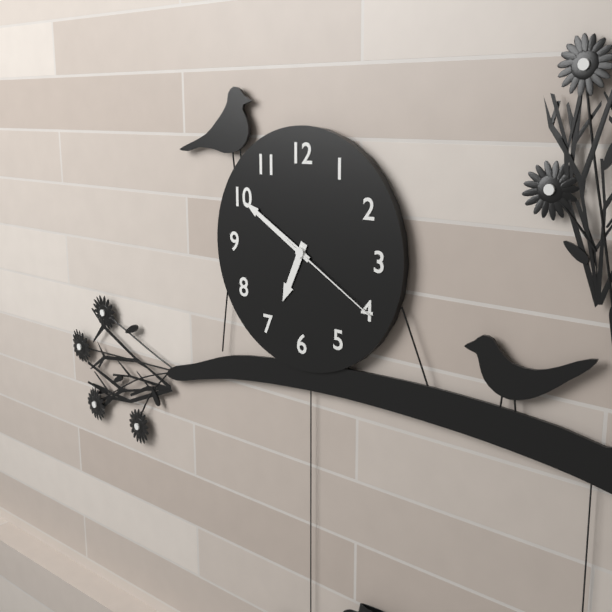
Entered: 6 h 50 min 20 s
